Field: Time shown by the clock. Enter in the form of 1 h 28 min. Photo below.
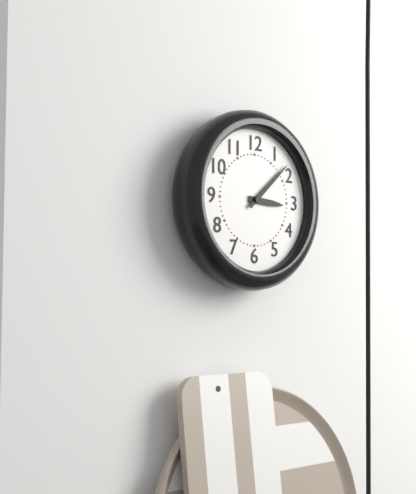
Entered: 3 h 08 min
